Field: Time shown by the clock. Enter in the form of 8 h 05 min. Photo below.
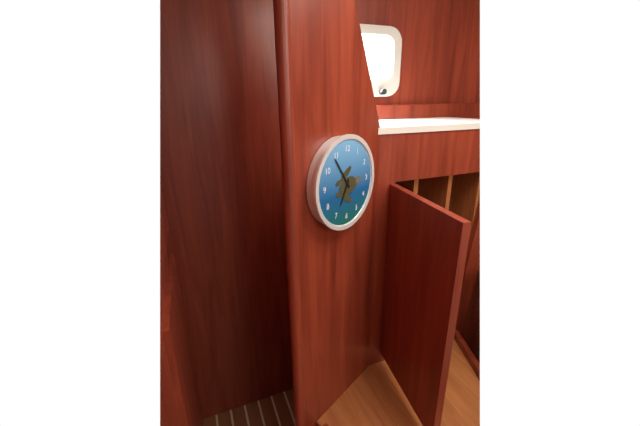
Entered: 6 h 54 min
